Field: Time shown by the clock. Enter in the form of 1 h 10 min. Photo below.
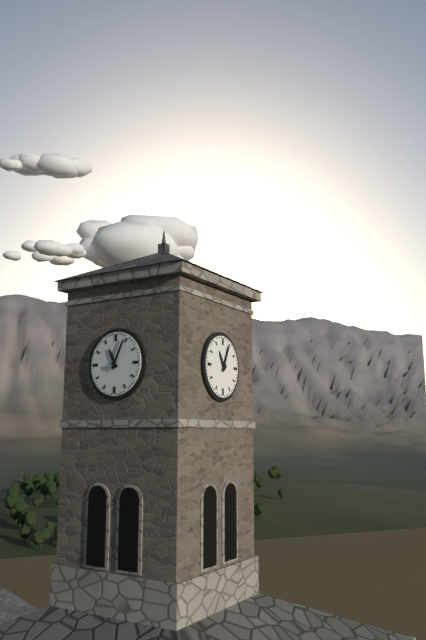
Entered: 11 h 04 min
